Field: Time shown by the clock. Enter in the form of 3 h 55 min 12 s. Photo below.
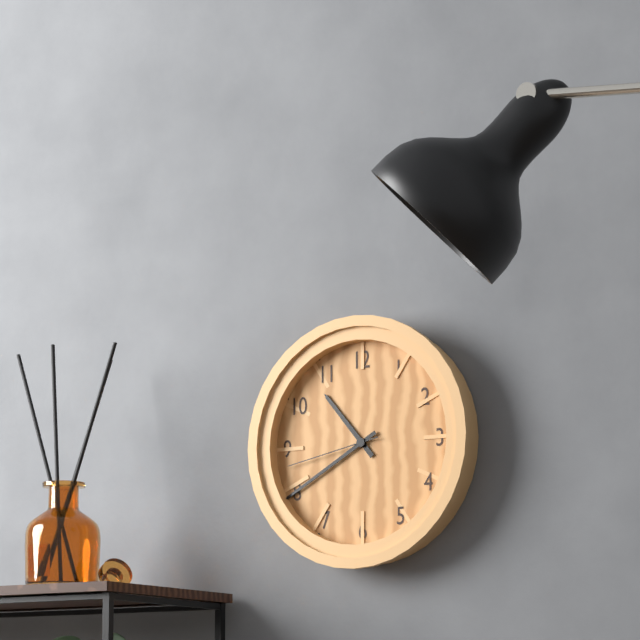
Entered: 10 h 40 min 43 s
